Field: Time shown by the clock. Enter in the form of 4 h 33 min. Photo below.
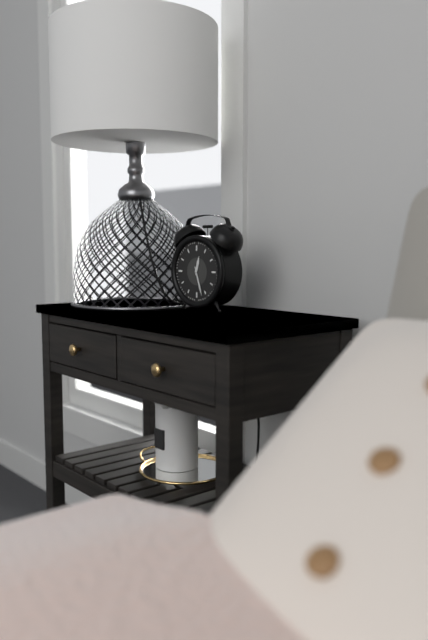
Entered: 12 h 27 min
